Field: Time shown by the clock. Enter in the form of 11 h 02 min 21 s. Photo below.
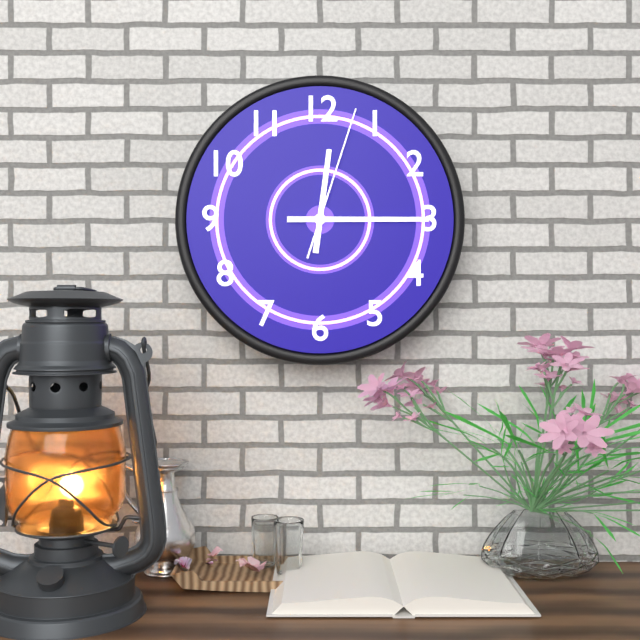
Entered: 12 h 15 min 03 s
